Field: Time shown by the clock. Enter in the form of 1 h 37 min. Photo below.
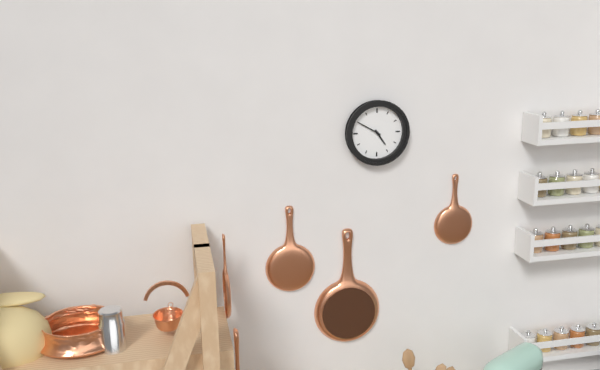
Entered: 4 h 50 min
